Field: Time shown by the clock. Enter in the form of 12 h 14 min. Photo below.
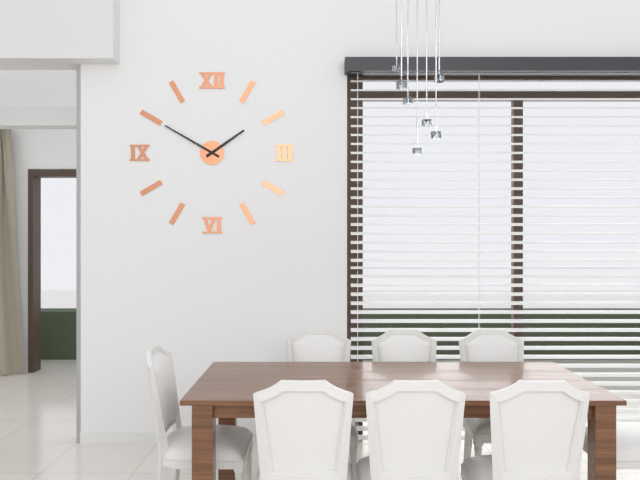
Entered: 1 h 50 min
